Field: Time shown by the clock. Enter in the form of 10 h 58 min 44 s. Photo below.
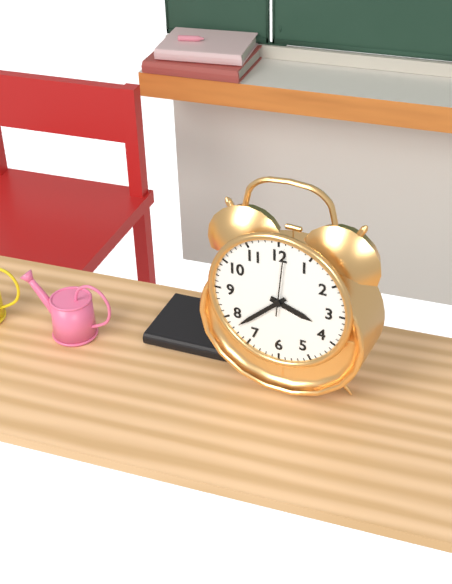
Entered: 3 h 38 min 01 s
